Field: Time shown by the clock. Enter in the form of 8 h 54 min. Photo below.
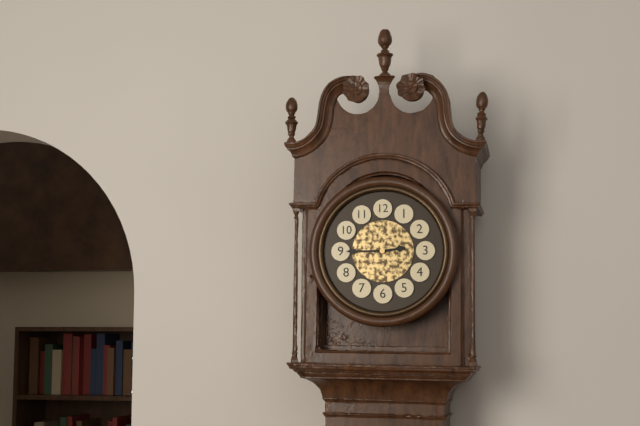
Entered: 2 h 45 min
